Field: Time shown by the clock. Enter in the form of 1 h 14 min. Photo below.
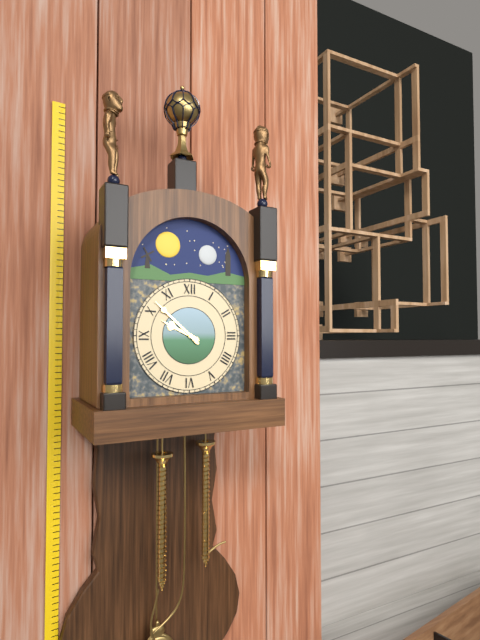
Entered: 9 h 52 min
